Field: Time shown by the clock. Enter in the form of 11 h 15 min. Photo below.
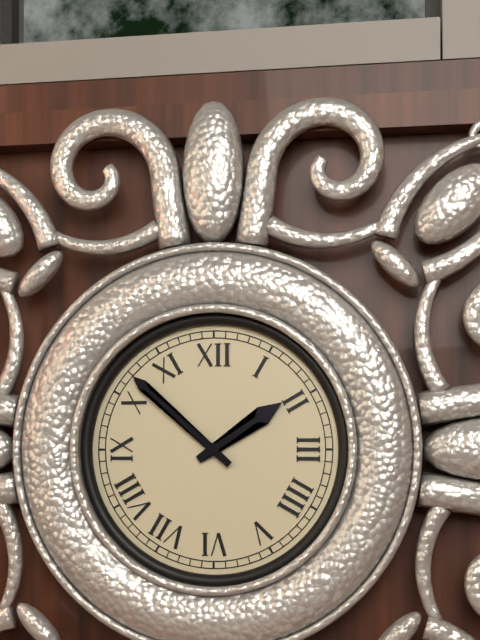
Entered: 1 h 52 min
